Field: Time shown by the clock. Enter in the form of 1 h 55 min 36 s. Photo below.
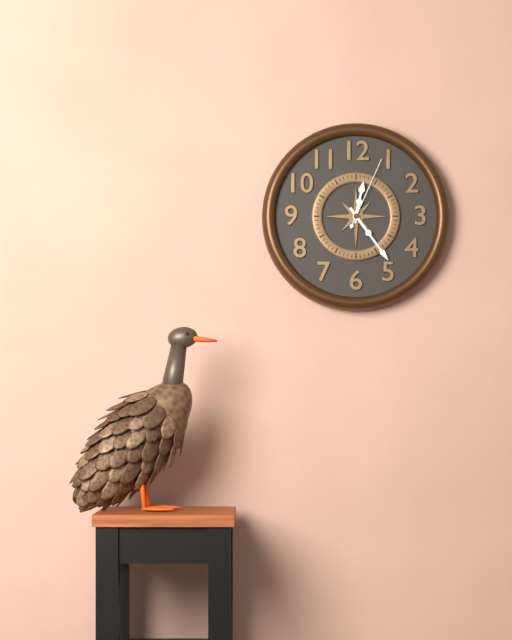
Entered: 12 h 24 min 04 s
